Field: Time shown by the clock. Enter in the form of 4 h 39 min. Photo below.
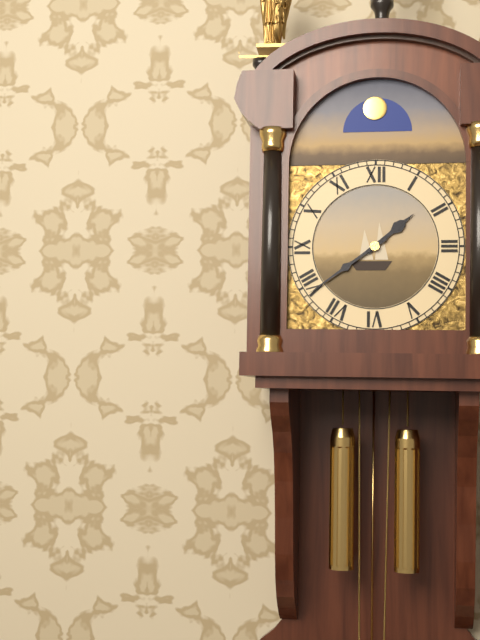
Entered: 1 h 39 min
